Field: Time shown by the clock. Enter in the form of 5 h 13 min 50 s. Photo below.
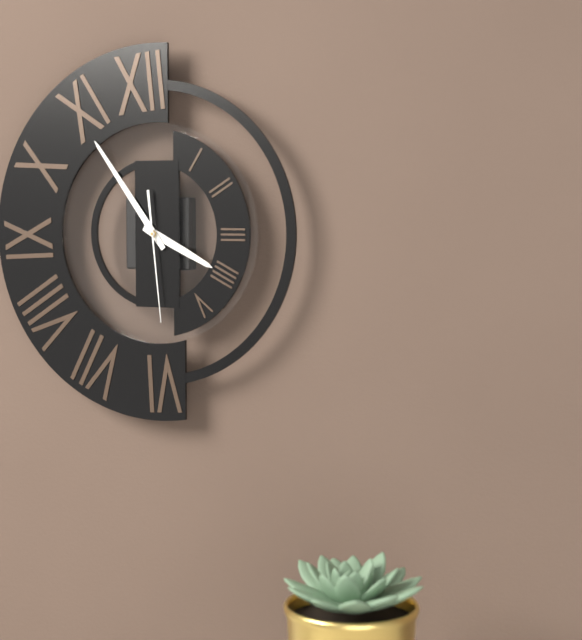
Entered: 3 h 54 min 29 s
